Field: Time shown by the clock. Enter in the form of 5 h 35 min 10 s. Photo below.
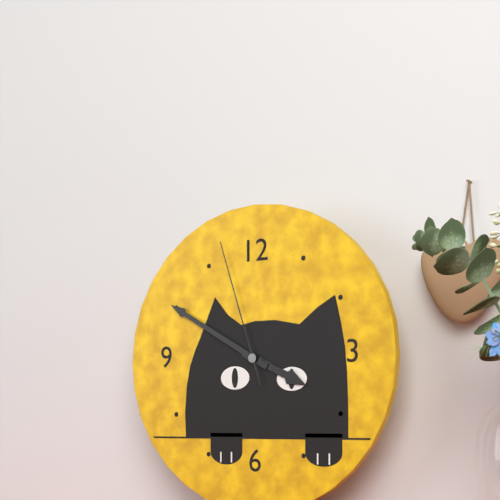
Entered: 3 h 50 min 57 s
